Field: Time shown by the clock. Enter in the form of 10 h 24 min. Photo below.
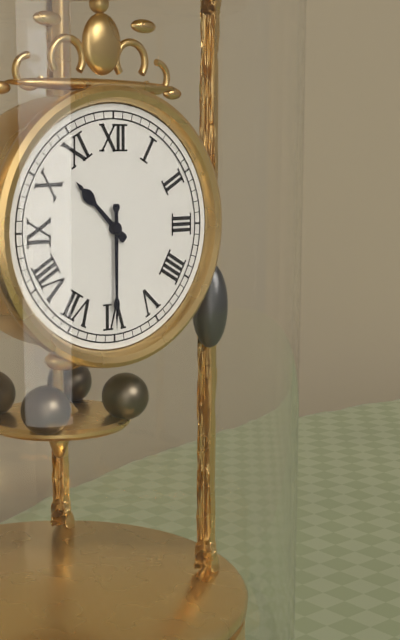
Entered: 10 h 30 min
